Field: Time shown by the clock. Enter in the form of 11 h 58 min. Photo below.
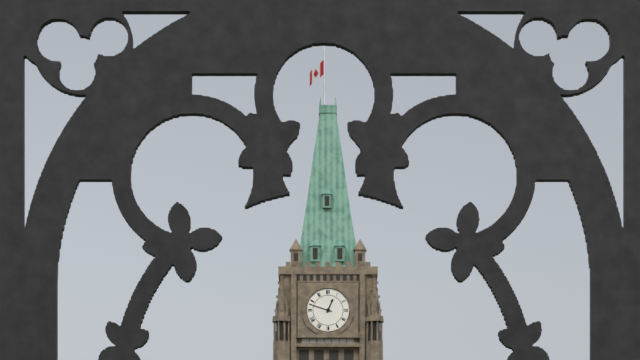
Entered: 12 h 48 min
